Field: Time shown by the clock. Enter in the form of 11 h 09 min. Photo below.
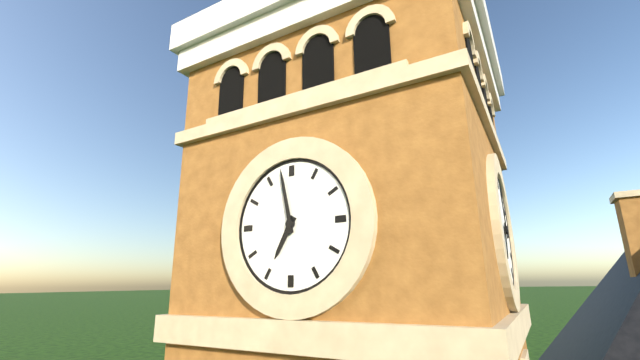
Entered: 6 h 58 min
